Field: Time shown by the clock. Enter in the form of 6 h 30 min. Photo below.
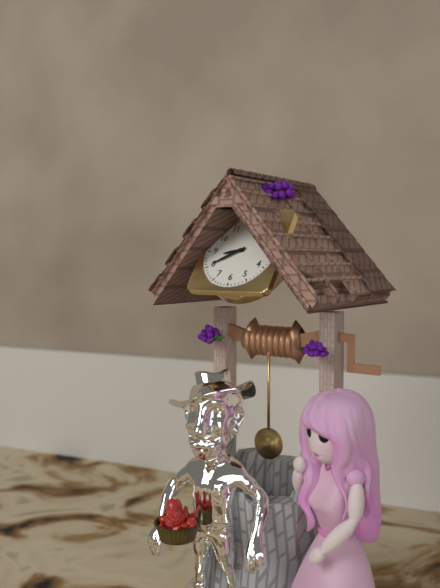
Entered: 8 h 40 min
